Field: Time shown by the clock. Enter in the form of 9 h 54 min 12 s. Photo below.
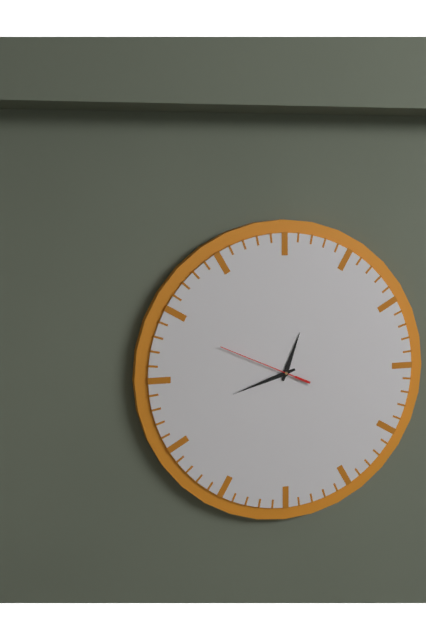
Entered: 12 h 42 min 49 s
